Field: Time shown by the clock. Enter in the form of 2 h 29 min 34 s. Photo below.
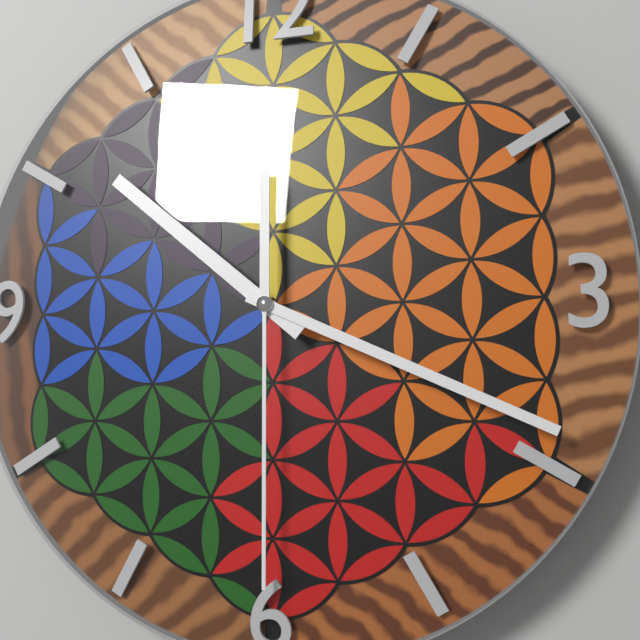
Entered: 10 h 19 min 30 s
